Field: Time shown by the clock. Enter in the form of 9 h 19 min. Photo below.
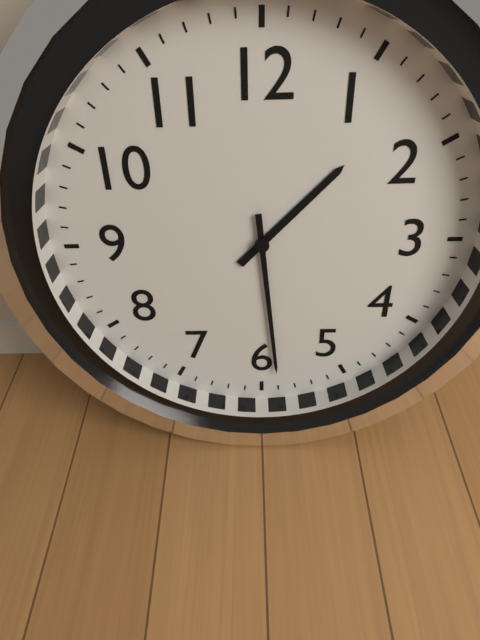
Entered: 1 h 29 min
